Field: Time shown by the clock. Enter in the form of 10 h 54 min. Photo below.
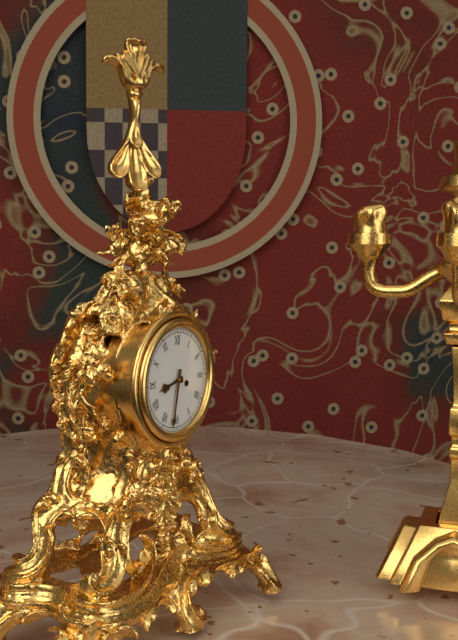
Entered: 8 h 32 min
